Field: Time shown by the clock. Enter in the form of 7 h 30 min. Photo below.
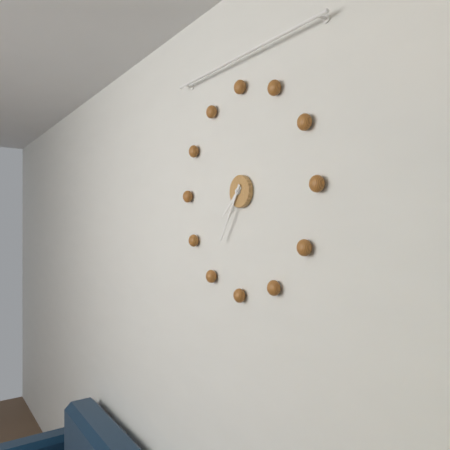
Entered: 7 h 35 min
